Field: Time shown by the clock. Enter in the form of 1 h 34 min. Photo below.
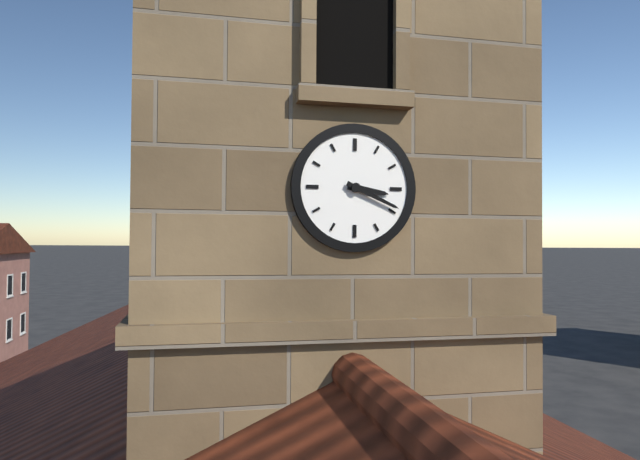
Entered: 3 h 19 min
